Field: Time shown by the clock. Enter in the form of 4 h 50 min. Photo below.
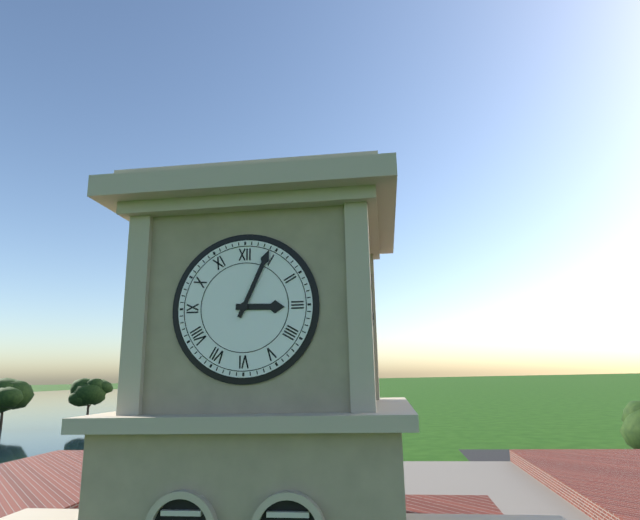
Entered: 3 h 04 min
